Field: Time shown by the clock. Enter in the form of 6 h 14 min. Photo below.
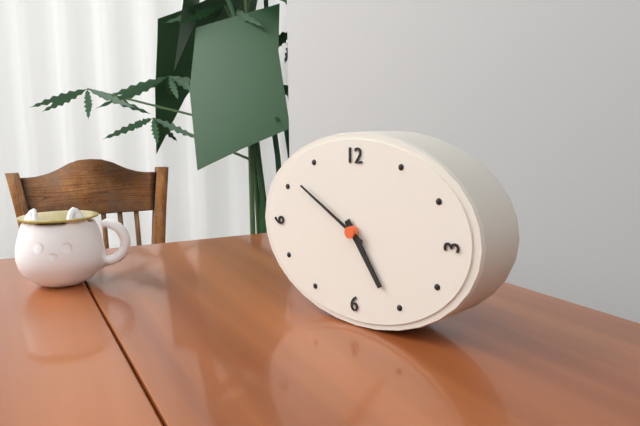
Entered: 4 h 50 min
